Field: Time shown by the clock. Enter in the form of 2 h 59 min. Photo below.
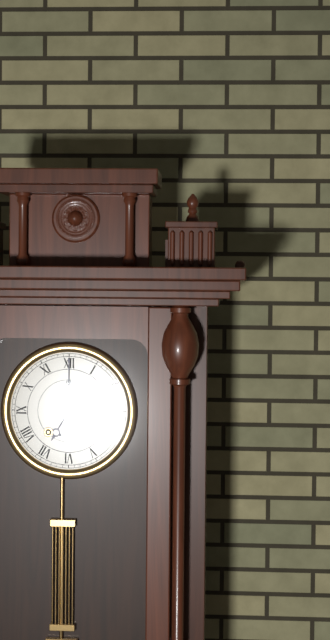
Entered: 7 h 00 min
